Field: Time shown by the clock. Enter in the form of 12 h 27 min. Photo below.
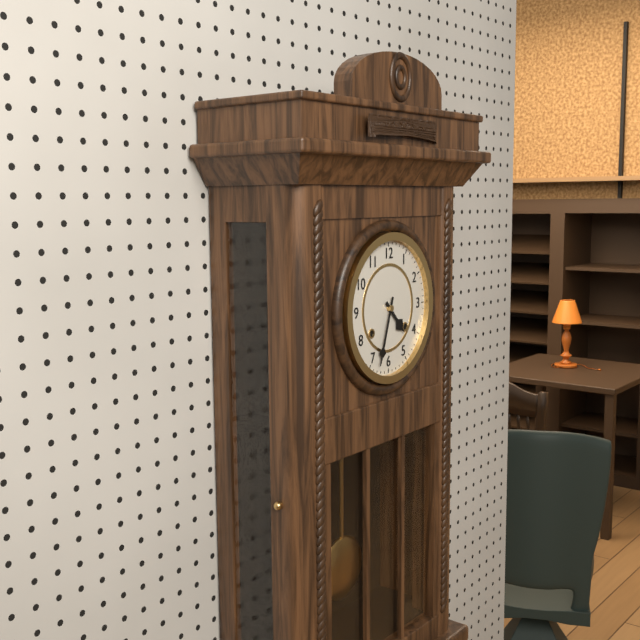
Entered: 4 h 33 min
